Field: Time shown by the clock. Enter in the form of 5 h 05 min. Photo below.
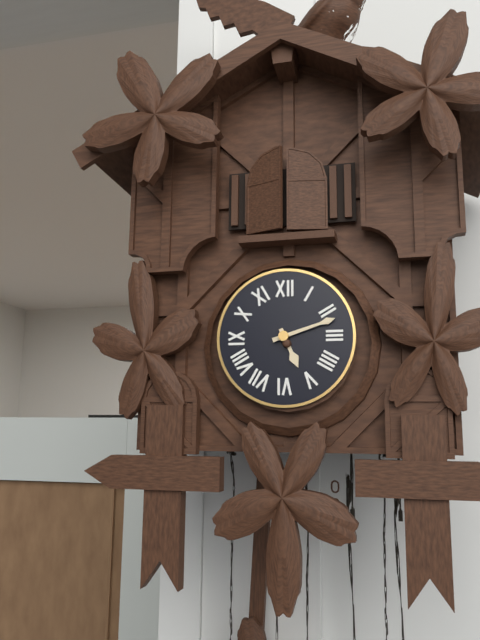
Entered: 5 h 12 min
